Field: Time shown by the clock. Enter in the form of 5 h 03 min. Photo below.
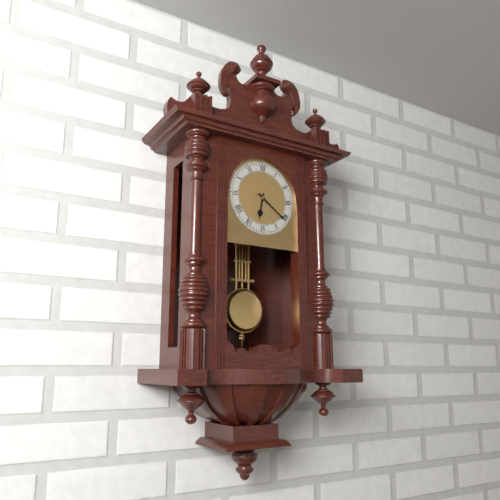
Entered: 6 h 21 min
